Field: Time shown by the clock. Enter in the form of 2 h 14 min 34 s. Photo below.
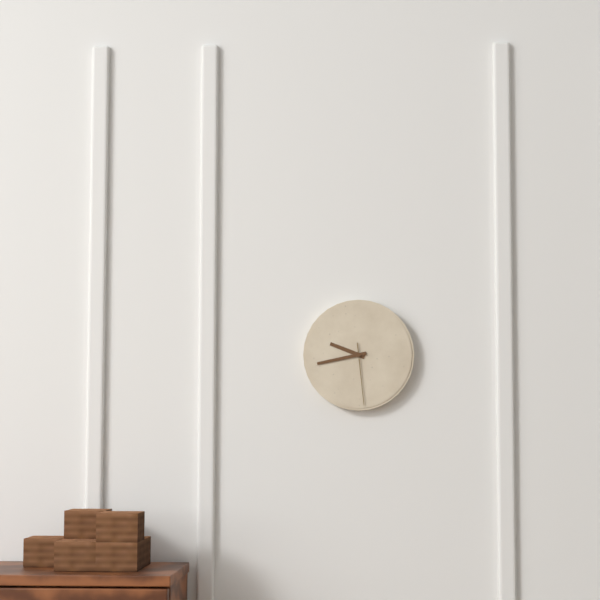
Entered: 9 h 43 min 29 s
